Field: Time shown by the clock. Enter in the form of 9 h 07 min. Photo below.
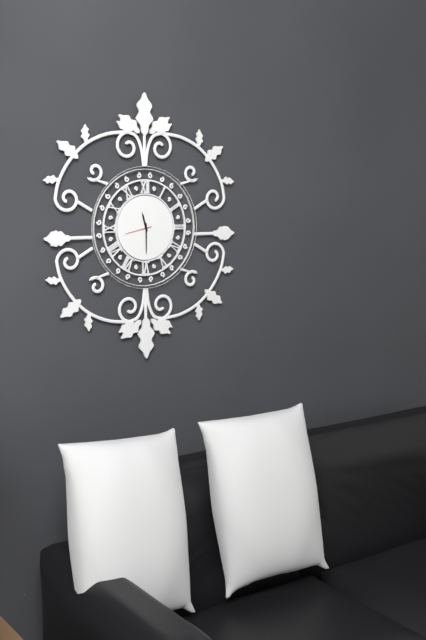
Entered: 11 h 30 min
